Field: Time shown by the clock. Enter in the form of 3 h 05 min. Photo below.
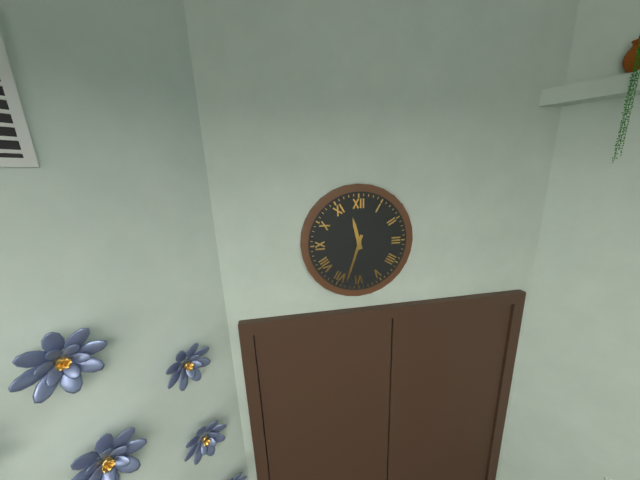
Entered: 11 h 33 min
